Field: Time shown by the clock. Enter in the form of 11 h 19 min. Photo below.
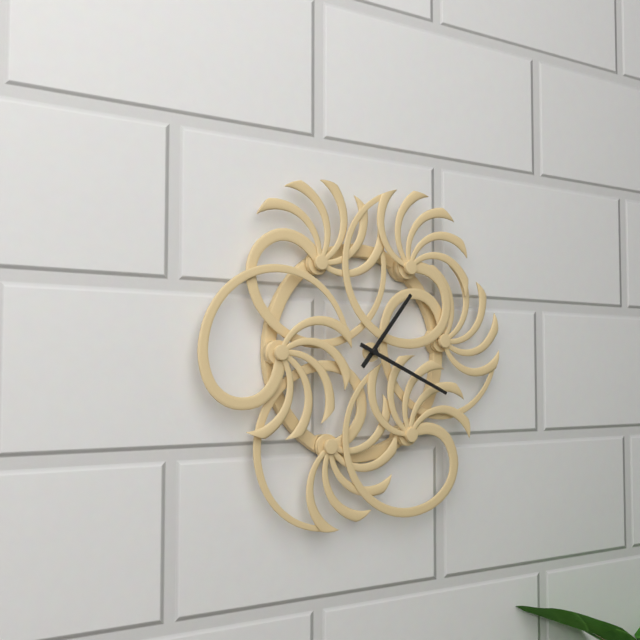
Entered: 1 h 19 min
